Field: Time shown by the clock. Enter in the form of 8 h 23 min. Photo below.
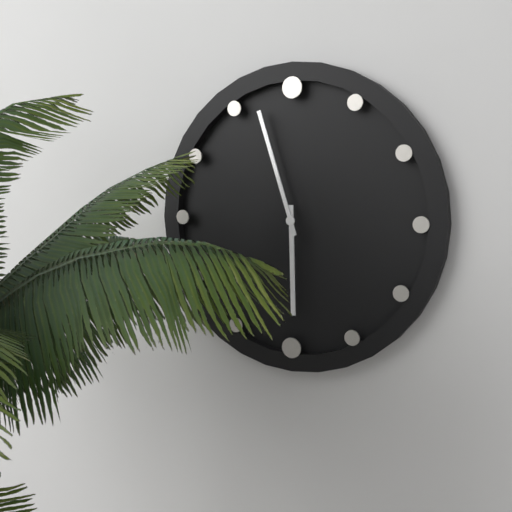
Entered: 5 h 57 min
